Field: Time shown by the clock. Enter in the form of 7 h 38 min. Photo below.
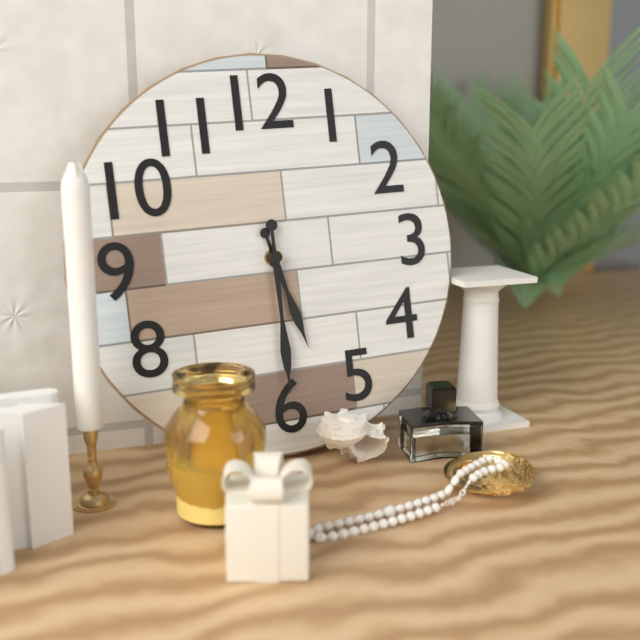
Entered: 5 h 30 min
